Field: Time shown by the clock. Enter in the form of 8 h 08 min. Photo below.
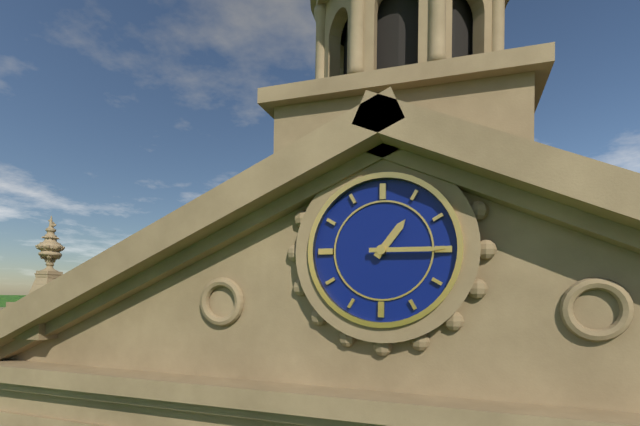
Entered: 1 h 15 min
